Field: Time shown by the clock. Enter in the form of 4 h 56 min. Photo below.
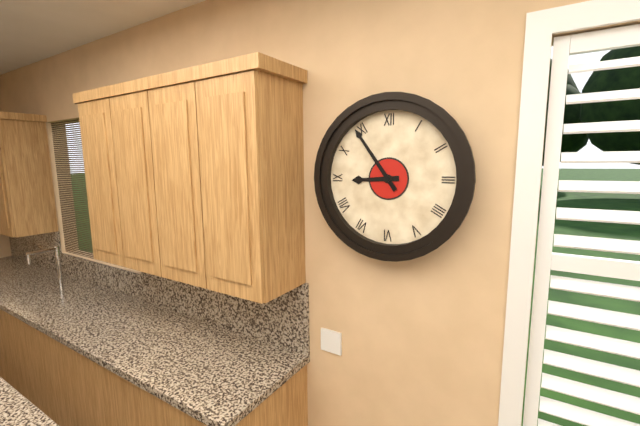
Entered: 8 h 54 min
